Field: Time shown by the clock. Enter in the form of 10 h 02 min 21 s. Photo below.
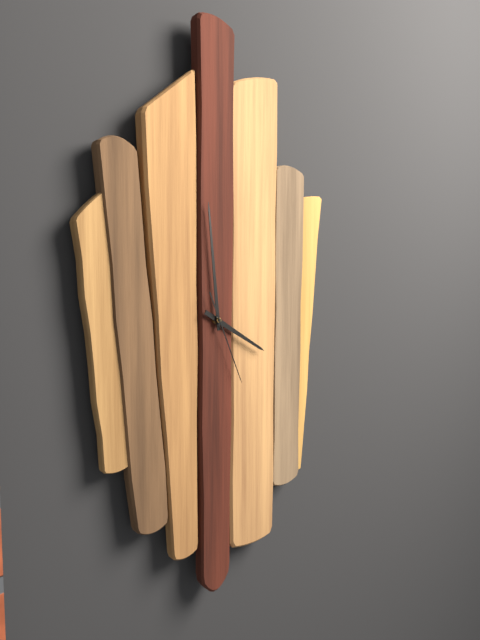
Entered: 3 h 59 min 26 s
